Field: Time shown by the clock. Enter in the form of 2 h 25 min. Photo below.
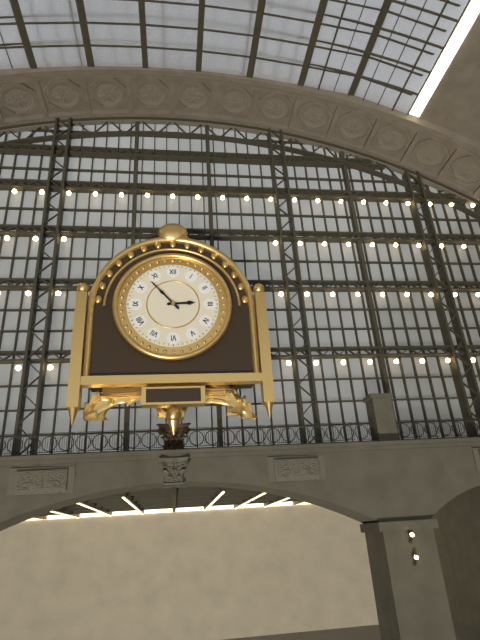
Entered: 2 h 53 min
